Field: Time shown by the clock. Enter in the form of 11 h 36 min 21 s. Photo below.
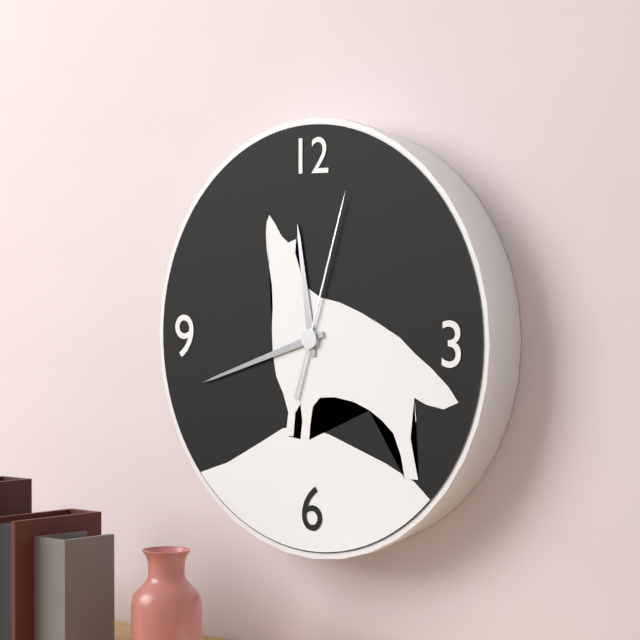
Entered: 11 h 42 min 03 s
